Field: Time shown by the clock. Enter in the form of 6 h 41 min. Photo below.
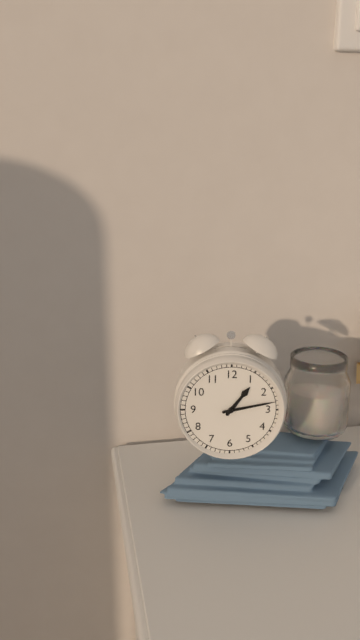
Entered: 1 h 13 min
